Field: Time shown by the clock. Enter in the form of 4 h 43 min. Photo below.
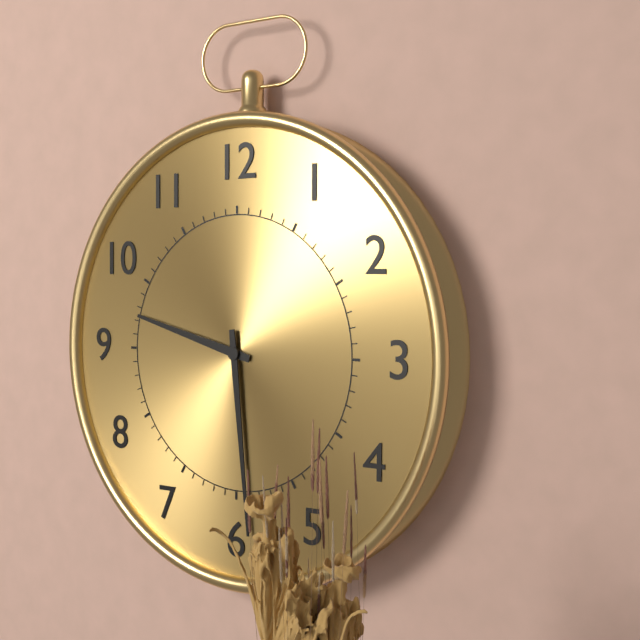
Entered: 9 h 29 min
